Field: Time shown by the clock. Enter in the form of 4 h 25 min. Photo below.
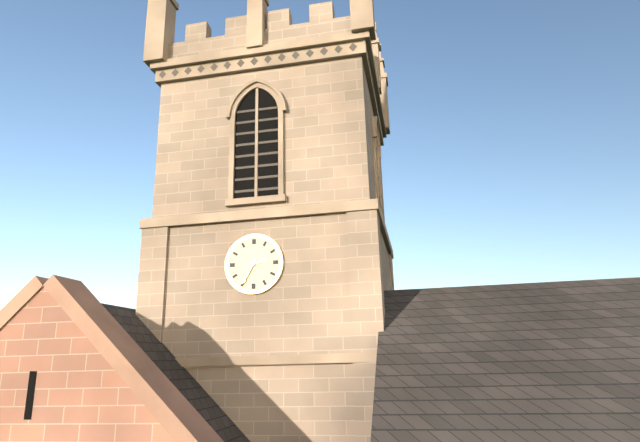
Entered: 2 h 35 min
